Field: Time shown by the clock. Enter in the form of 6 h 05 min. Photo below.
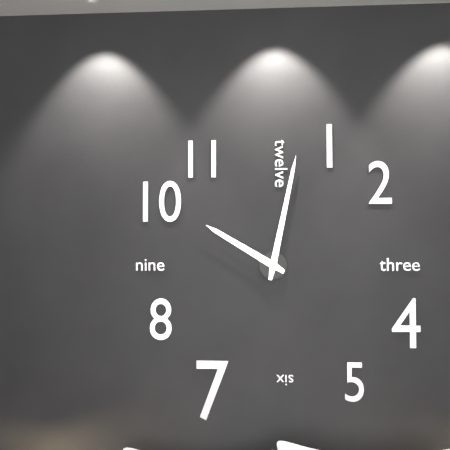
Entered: 10 h 02 min
